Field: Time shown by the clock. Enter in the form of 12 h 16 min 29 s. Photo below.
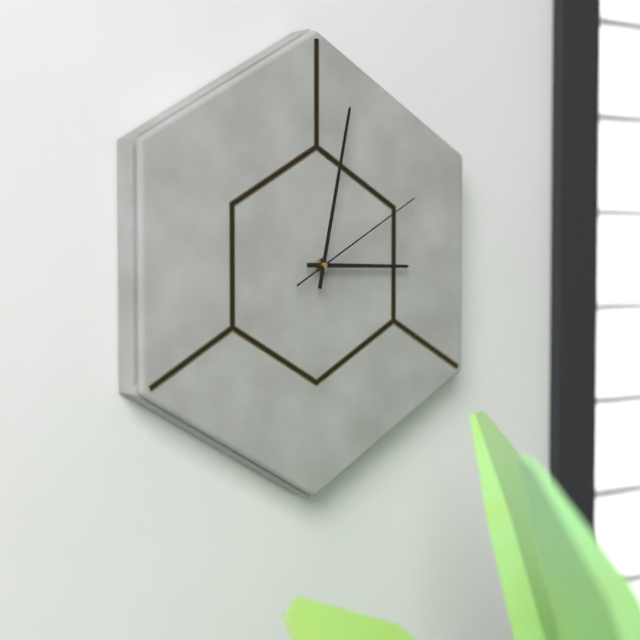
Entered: 3 h 02 min 10 s
